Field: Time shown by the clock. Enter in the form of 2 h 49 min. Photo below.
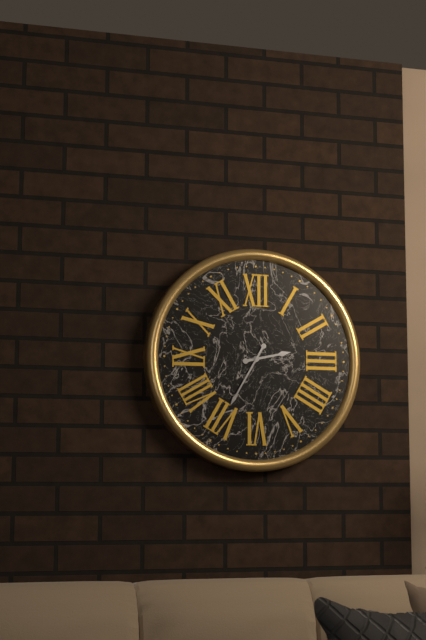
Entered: 2 h 35 min
